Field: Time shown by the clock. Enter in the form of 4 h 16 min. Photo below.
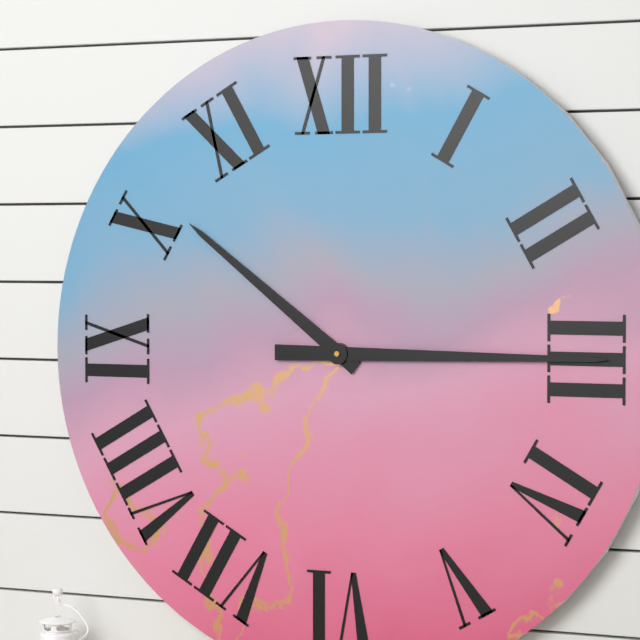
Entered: 10 h 15 min
